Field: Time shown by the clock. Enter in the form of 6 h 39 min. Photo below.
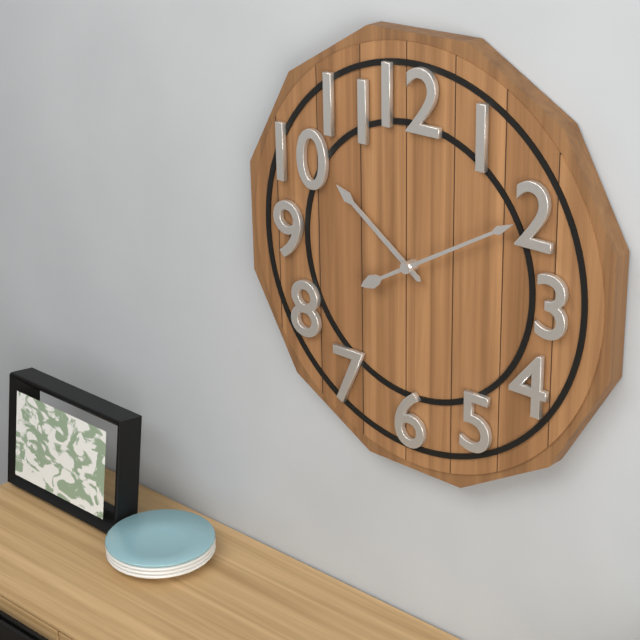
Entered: 10 h 10 min
